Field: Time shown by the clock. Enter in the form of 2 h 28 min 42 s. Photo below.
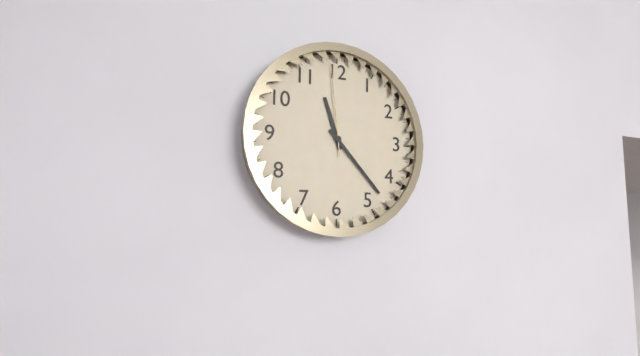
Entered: 11 h 23 min 59 s
